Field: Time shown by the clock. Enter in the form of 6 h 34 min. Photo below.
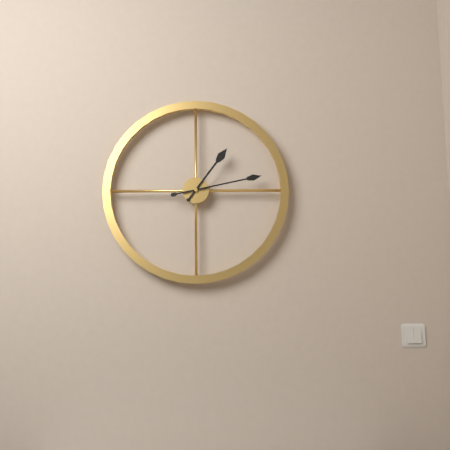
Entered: 1 h 13 min
